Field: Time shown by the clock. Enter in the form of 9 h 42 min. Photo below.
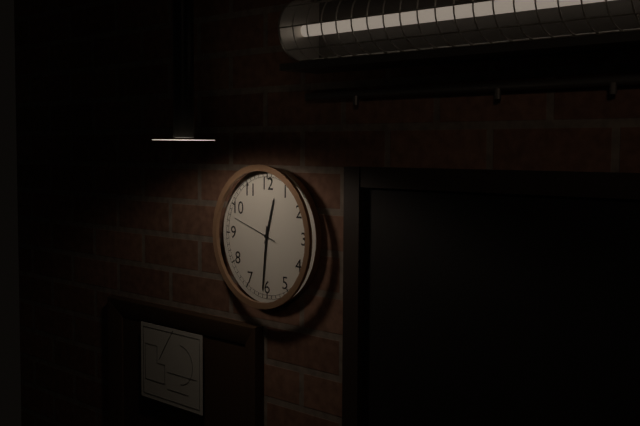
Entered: 12 h 31 min
